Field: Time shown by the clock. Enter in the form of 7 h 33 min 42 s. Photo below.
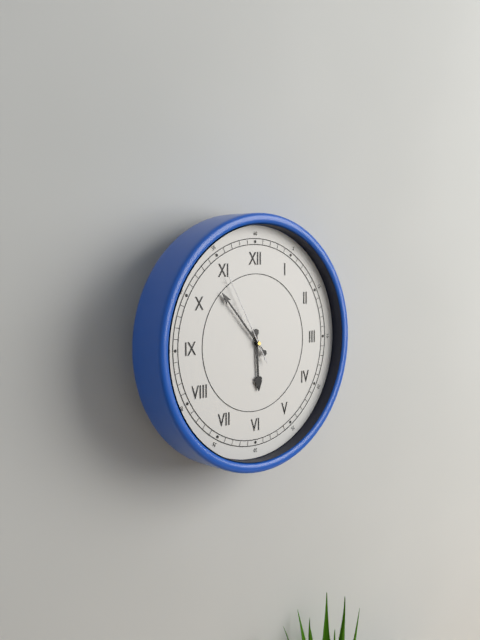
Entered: 5 h 53 min 55 s
